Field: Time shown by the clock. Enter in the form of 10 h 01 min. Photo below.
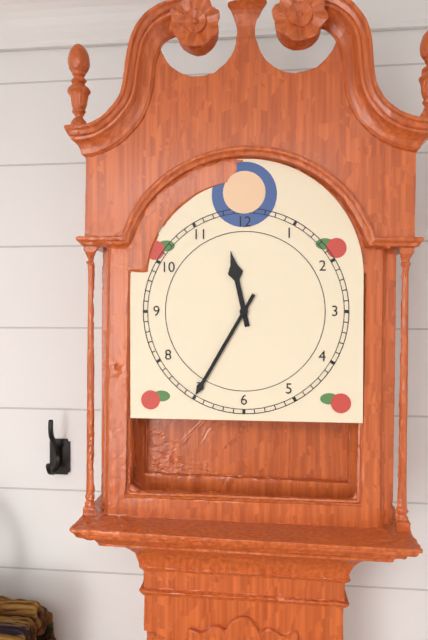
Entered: 11 h 35 min
